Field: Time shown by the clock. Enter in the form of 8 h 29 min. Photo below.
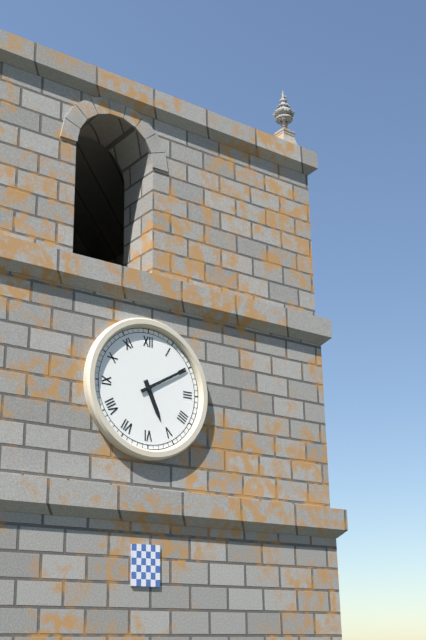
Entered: 5 h 10 min
